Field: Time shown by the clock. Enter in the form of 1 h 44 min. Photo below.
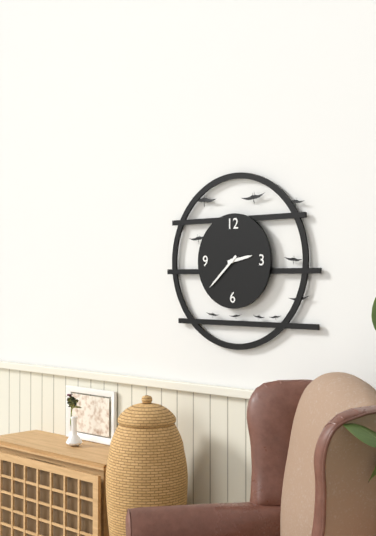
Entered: 2 h 38 min
